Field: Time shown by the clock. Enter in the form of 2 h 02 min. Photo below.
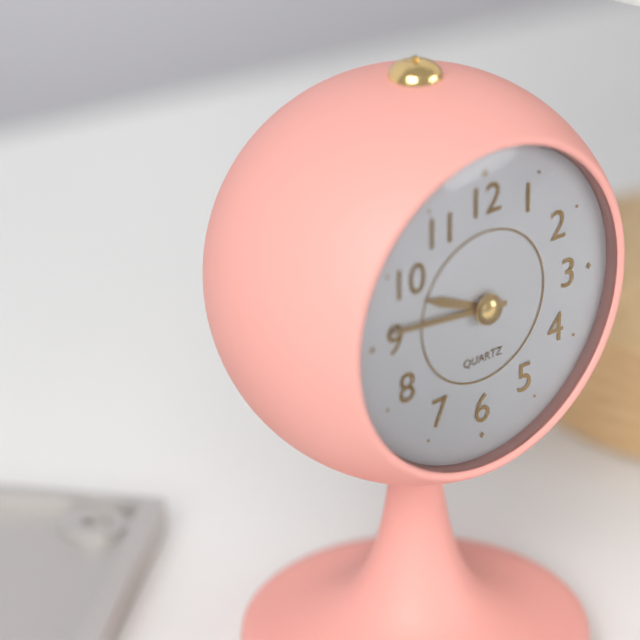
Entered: 9 h 46 min
